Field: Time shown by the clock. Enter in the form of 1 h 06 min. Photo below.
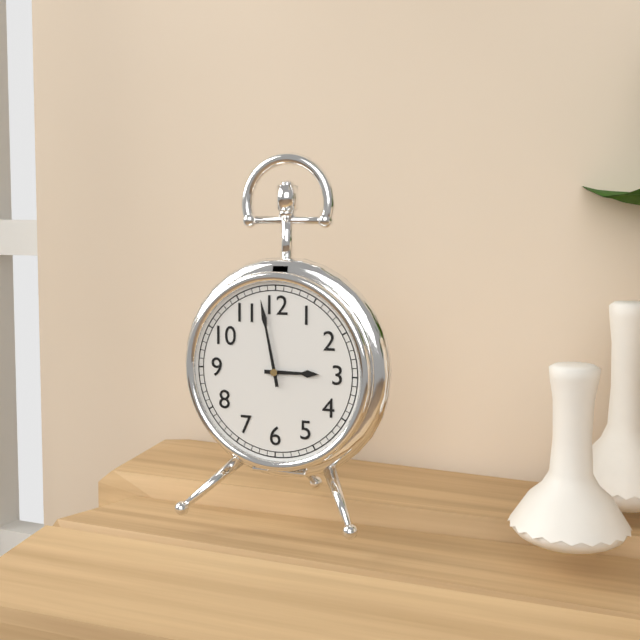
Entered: 2 h 58 min
